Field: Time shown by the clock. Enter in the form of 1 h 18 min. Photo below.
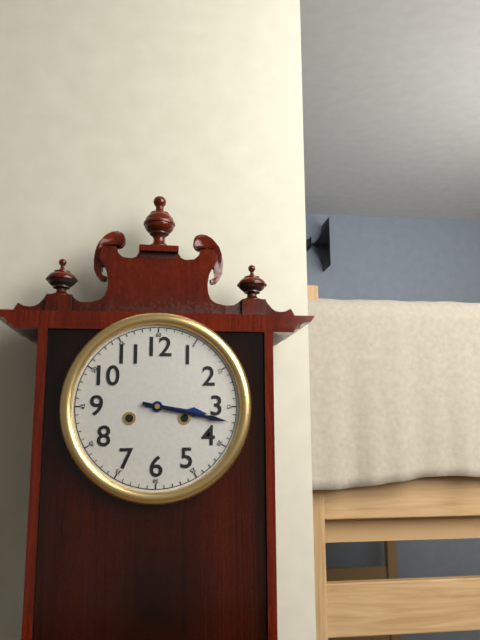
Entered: 3 h 17 min
